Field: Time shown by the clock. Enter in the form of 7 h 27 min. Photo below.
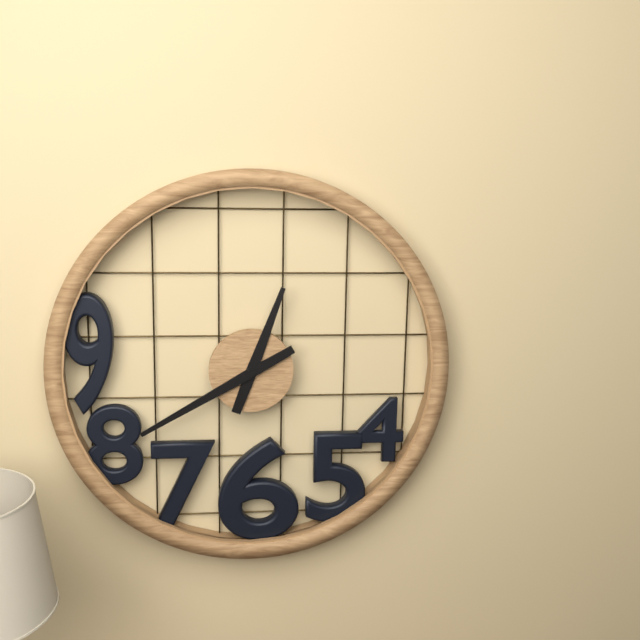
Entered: 12 h 40 min
